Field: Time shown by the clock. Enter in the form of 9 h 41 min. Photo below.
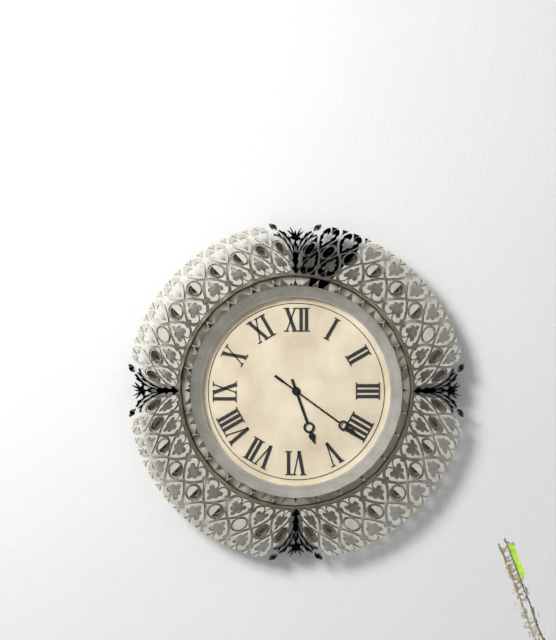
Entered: 5 h 21 min
